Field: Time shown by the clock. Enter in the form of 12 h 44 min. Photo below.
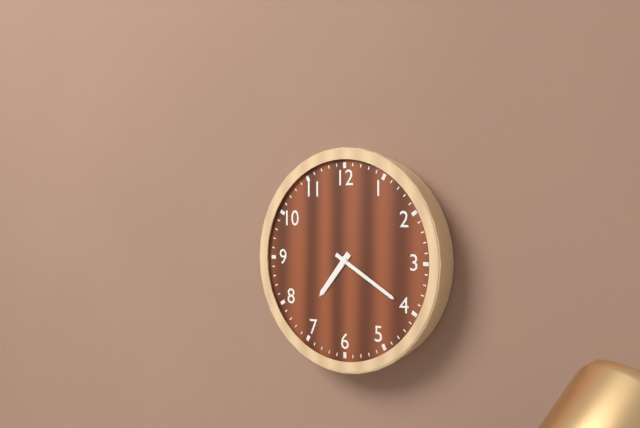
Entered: 7 h 20 min
